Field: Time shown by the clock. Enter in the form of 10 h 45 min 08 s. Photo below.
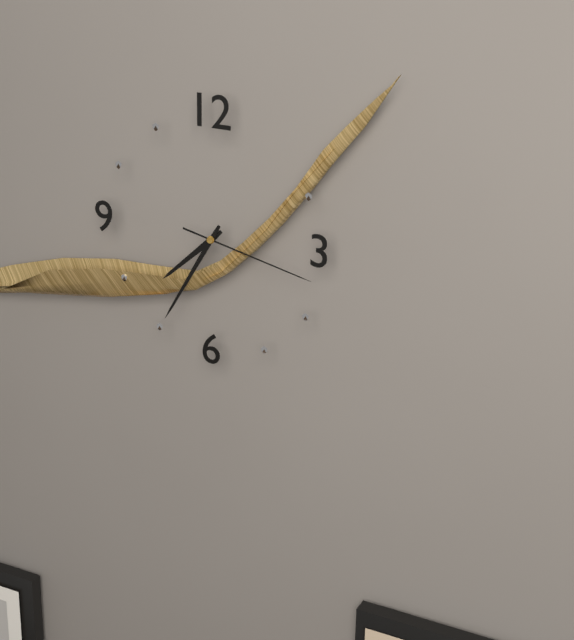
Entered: 7 h 35 min 17 s
